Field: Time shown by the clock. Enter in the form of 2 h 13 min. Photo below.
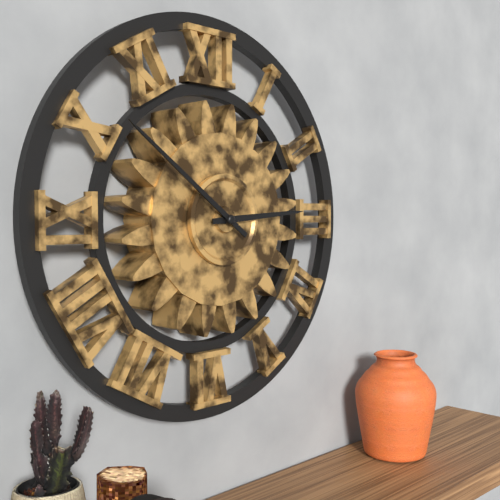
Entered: 2 h 51 min
